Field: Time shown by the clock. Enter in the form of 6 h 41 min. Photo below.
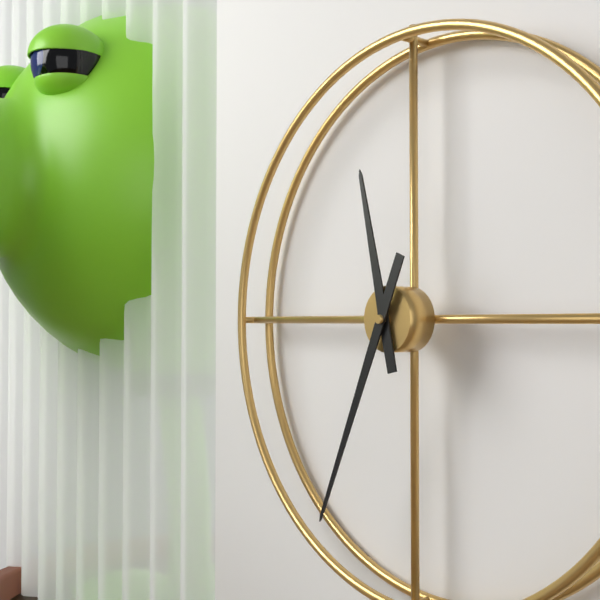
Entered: 11 h 34 min
